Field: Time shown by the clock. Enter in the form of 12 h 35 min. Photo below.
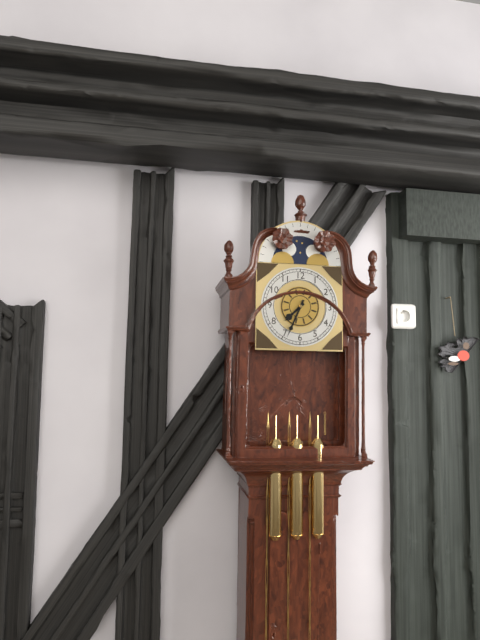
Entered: 7 h 34 min
